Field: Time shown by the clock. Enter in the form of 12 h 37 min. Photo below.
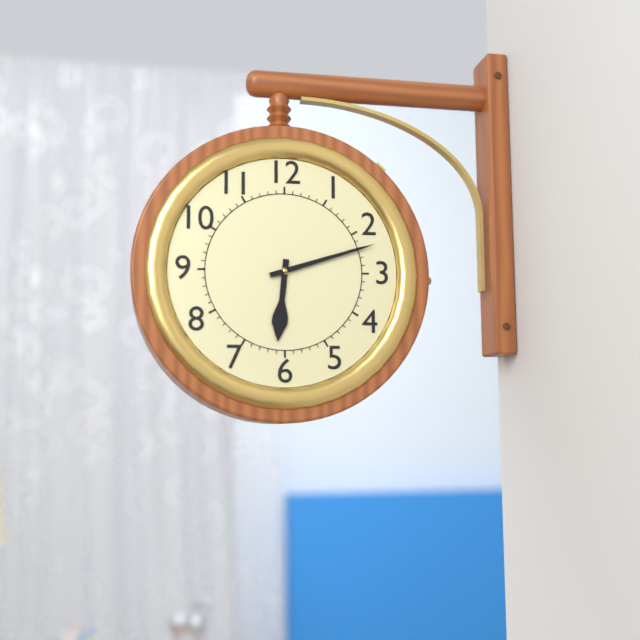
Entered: 6 h 12 min
